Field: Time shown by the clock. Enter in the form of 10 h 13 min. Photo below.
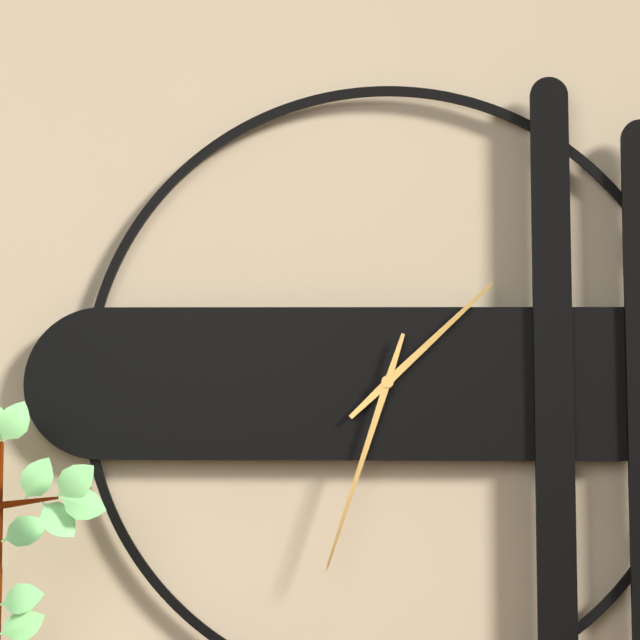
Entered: 1 h 33 min
